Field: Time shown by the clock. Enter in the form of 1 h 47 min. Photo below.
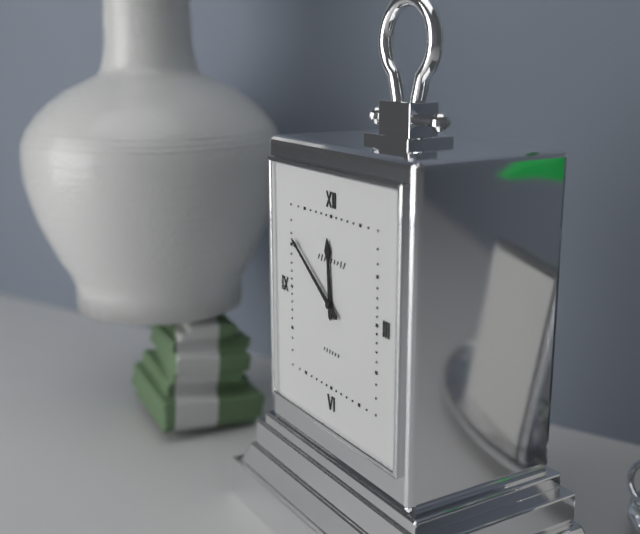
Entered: 11 h 51 min
